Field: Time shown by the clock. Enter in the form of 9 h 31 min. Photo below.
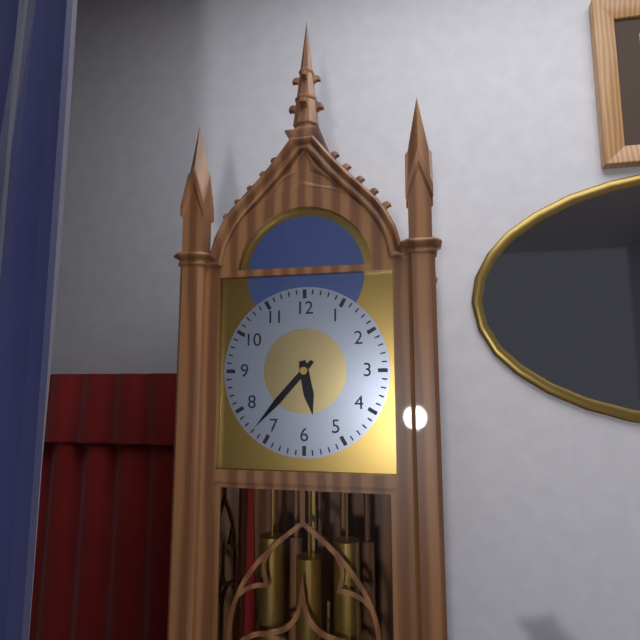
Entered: 5 h 37 min
